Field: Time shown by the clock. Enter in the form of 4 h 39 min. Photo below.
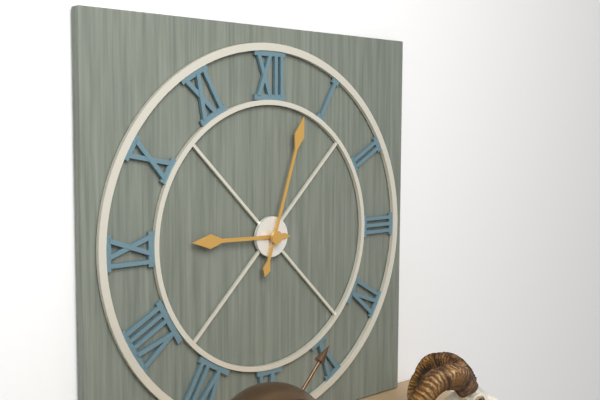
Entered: 9 h 03 min
